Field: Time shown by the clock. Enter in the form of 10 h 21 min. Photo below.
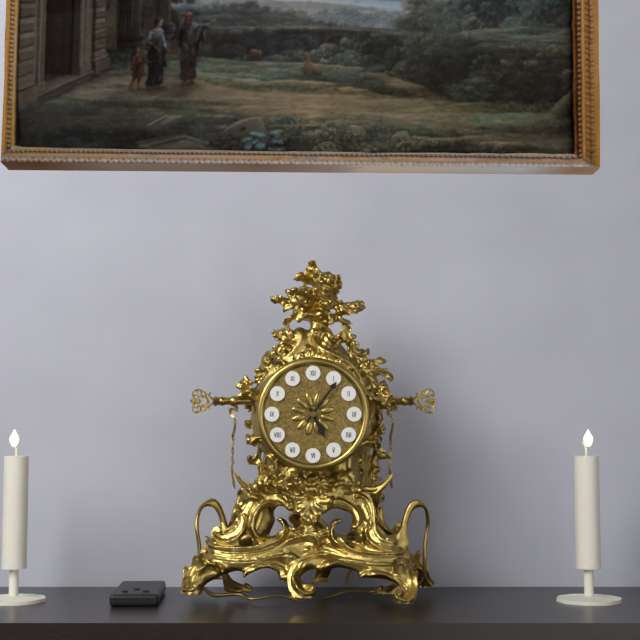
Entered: 5 h 06 min
